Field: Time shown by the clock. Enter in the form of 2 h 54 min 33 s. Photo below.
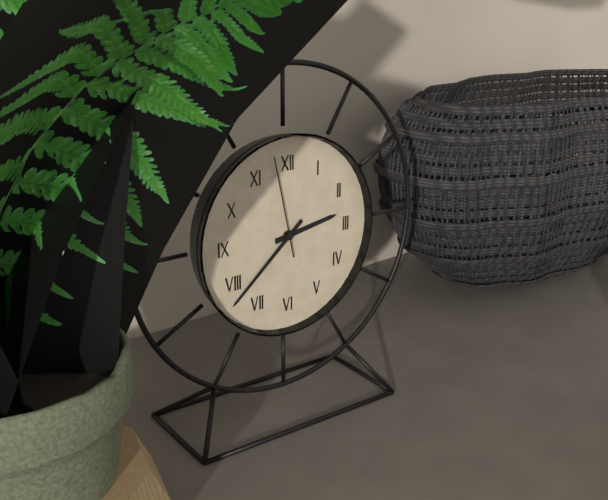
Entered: 2 h 38 min 58 s
